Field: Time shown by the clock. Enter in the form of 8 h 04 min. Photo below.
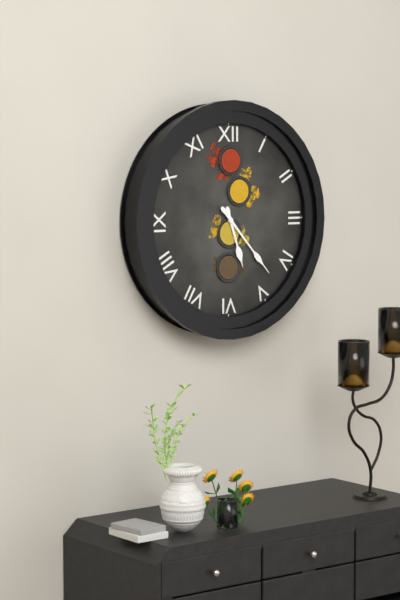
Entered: 5 h 23 min
